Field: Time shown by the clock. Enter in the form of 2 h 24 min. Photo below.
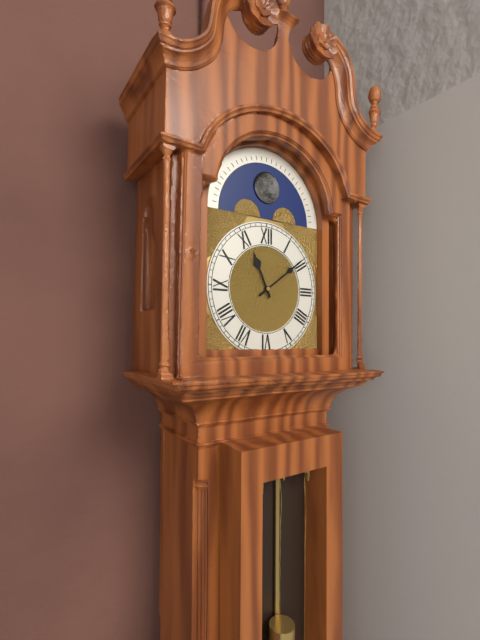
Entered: 11 h 09 min
